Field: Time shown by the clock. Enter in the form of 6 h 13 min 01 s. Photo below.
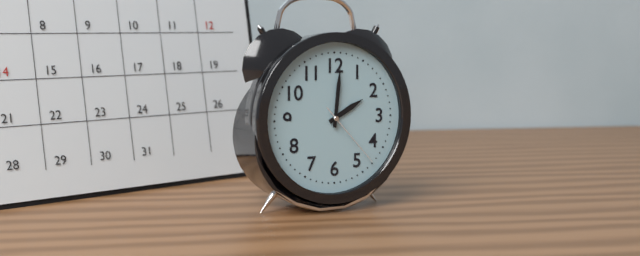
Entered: 2 h 01 min 23 s
